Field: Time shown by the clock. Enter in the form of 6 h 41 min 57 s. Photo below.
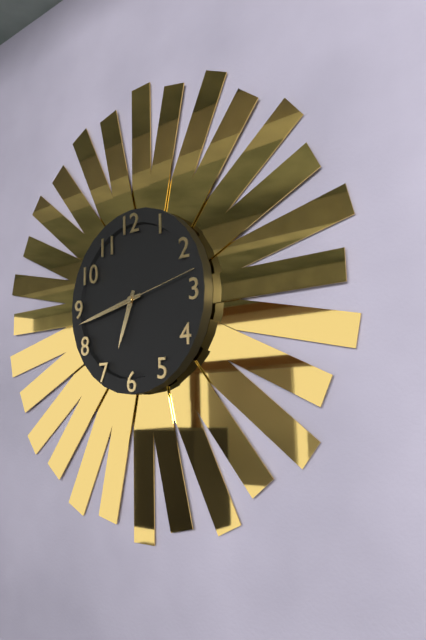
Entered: 6 h 43 min 13 s
